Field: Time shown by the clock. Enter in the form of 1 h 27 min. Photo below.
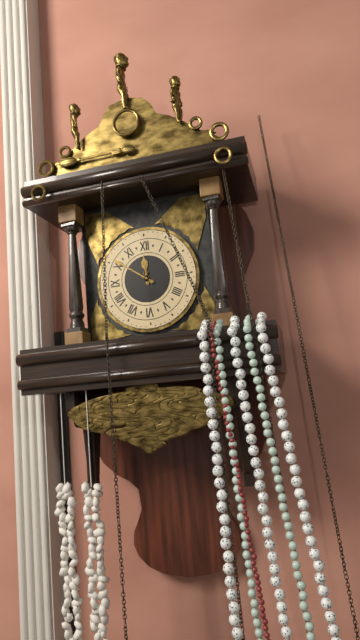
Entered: 11 h 51 min
